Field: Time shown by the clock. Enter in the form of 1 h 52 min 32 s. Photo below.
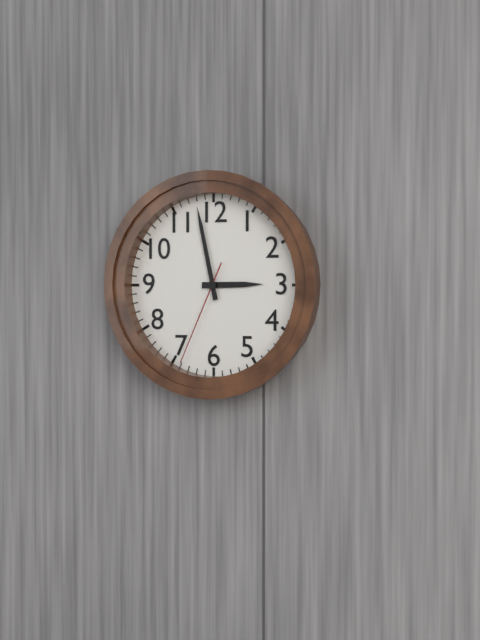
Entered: 2 h 58 min 34 s
